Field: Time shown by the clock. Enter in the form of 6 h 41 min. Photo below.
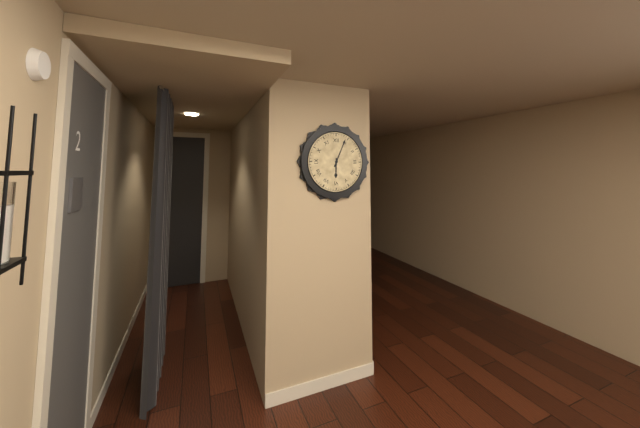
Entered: 6 h 04 min
